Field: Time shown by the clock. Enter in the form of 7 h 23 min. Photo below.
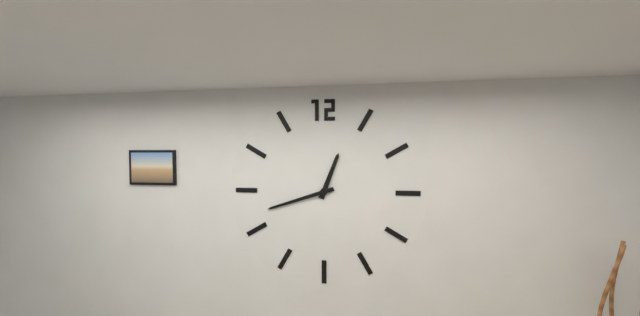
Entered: 12 h 42 min
